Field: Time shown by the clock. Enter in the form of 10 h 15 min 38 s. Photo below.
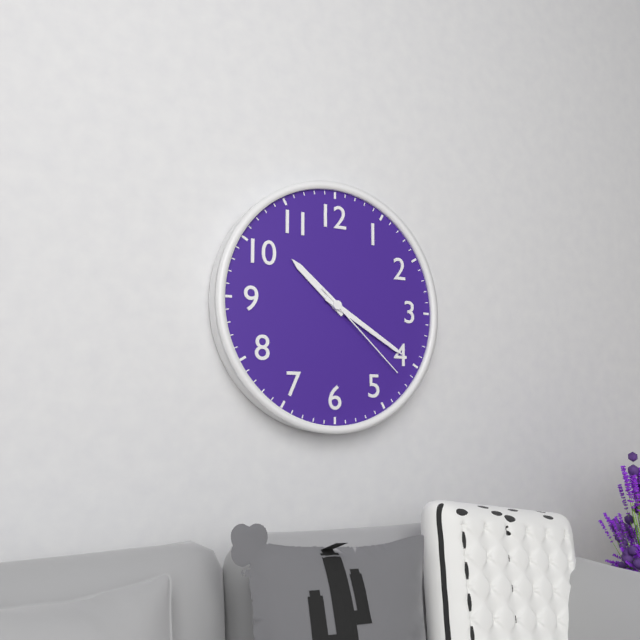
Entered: 10 h 20 min 22 s
